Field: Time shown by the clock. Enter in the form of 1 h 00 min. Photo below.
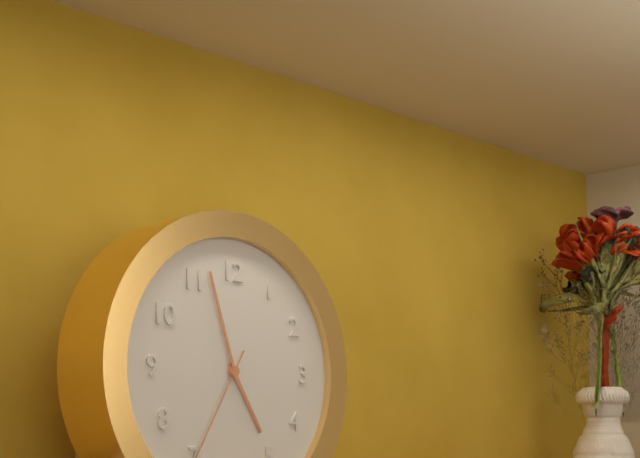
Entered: 4 h 57 min
